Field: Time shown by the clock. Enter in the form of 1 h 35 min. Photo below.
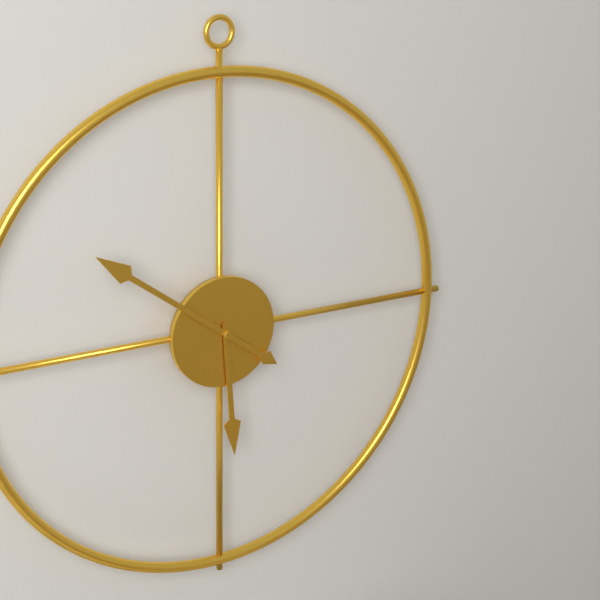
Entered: 5 h 51 min
